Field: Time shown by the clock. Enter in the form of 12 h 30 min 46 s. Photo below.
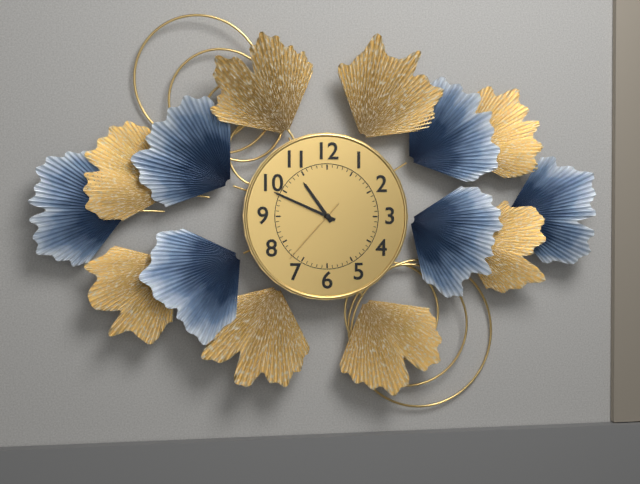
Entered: 10 h 49 min 37 s
